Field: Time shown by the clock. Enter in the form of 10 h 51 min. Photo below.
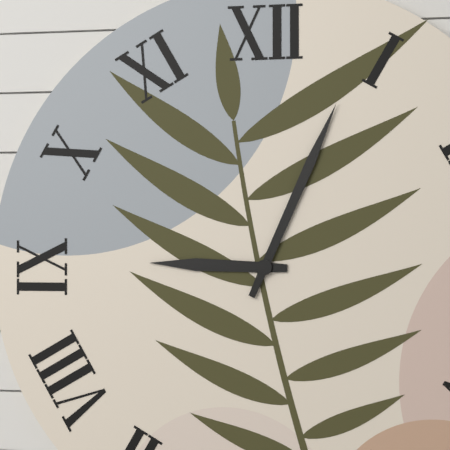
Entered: 9 h 04 min
